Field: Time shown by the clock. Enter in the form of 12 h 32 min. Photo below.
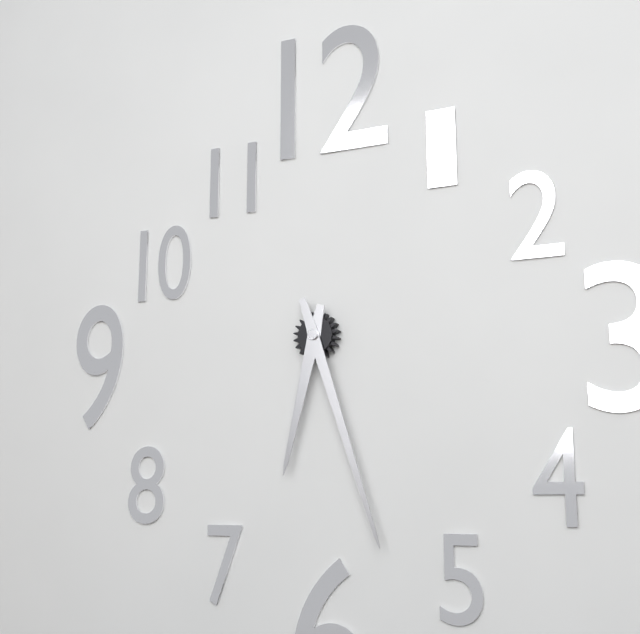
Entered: 6 h 27 min
